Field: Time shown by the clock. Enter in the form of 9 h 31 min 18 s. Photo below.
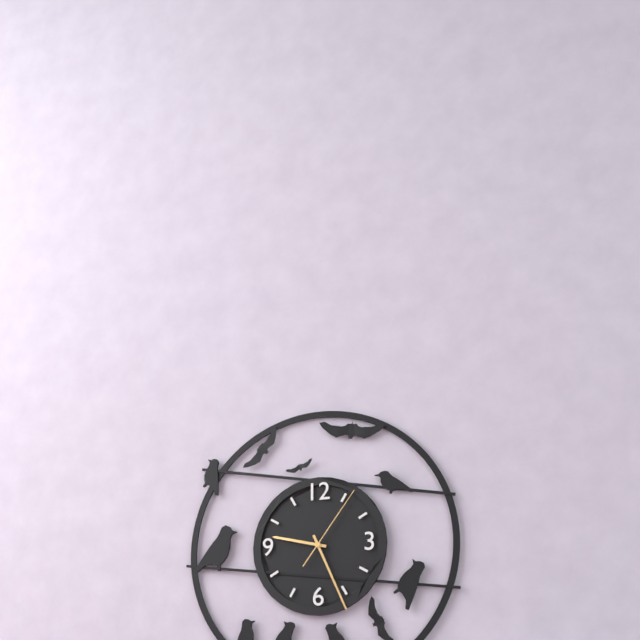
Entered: 9 h 26 min 06 s
